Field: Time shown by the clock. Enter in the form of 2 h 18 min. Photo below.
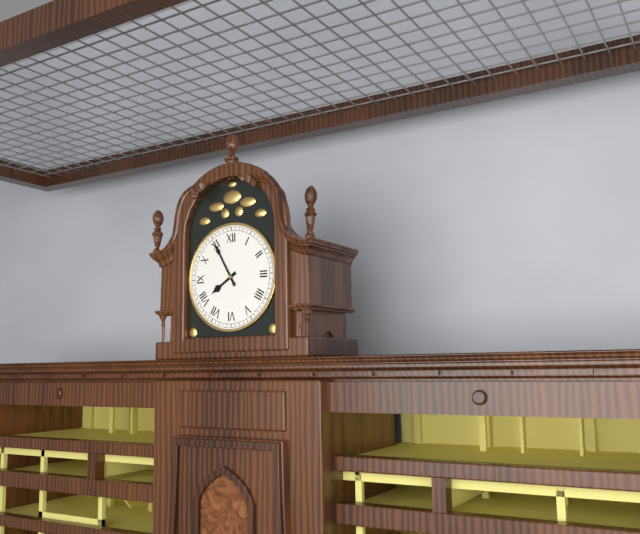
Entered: 7 h 55 min
